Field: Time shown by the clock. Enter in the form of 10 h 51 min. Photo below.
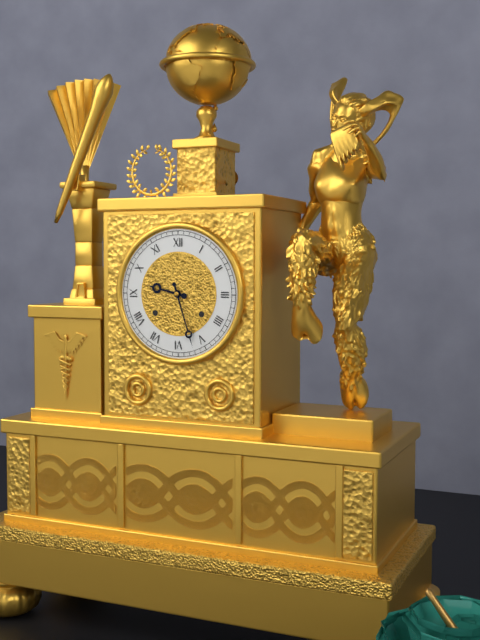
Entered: 9 h 27 min
